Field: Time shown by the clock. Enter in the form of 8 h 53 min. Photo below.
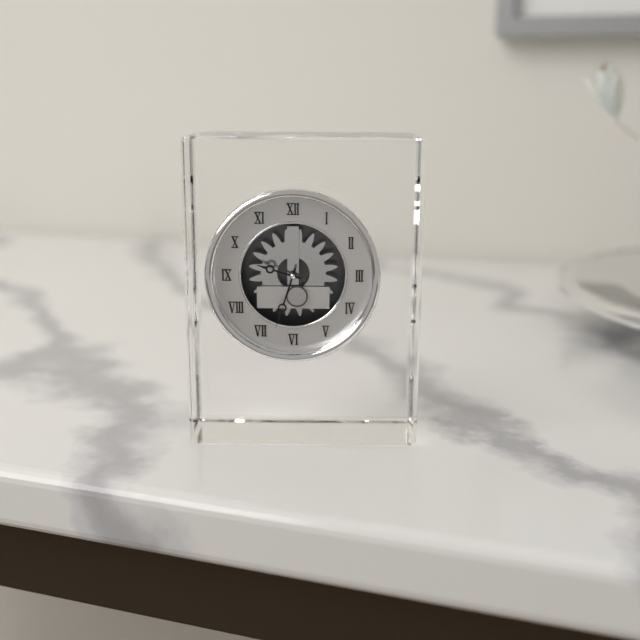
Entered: 9 h 33 min
